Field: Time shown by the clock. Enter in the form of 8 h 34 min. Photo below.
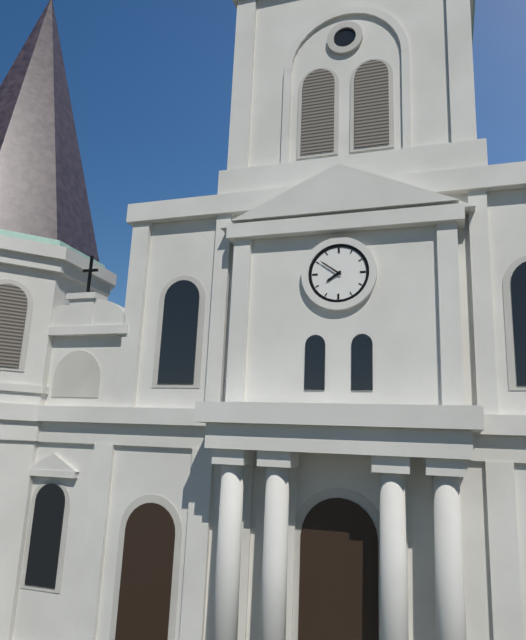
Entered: 7 h 51 min
